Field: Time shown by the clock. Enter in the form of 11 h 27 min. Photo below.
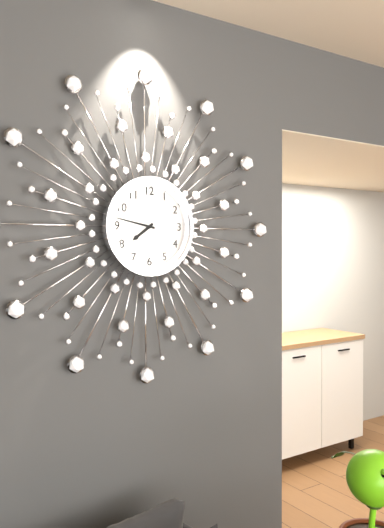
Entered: 7 h 47 min
